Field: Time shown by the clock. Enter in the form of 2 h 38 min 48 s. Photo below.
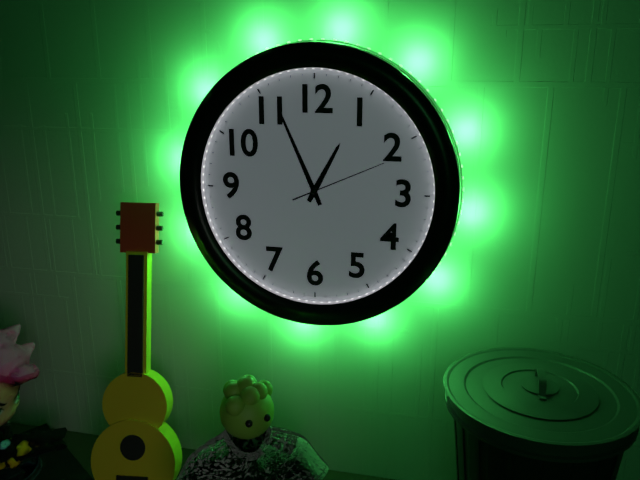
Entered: 12 h 56 min 11 s
